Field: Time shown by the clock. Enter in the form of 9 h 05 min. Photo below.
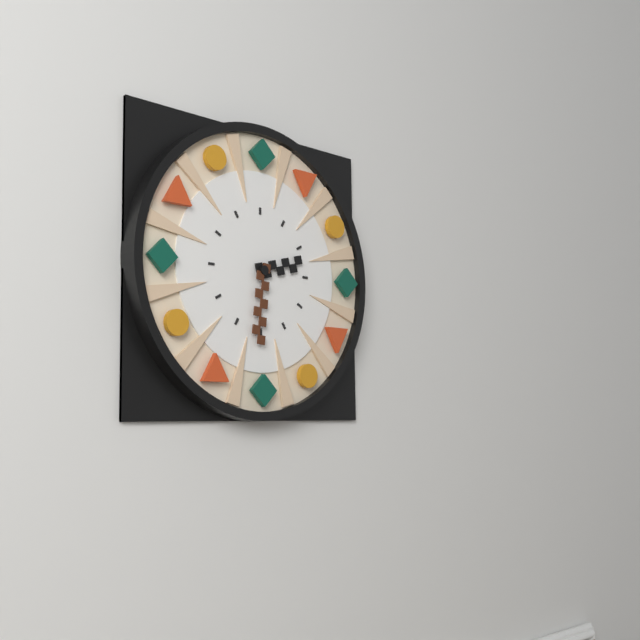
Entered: 2 h 31 min
